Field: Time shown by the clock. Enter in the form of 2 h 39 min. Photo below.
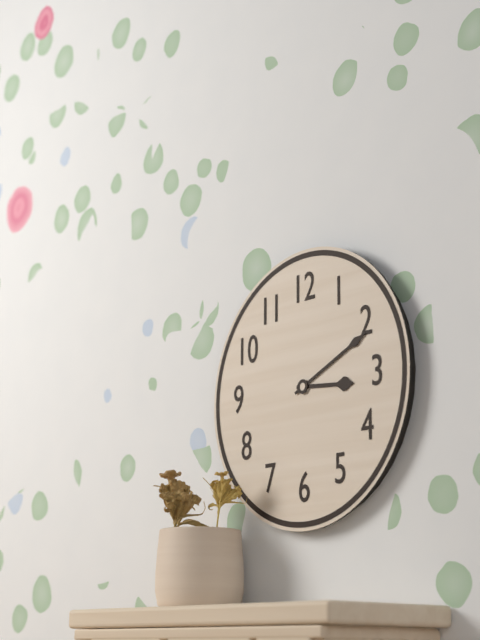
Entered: 3 h 11 min
